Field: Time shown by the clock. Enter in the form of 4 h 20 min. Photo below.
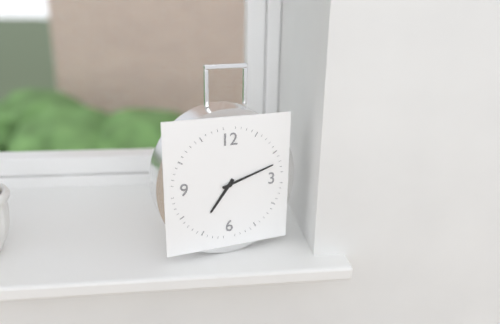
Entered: 7 h 12 min
